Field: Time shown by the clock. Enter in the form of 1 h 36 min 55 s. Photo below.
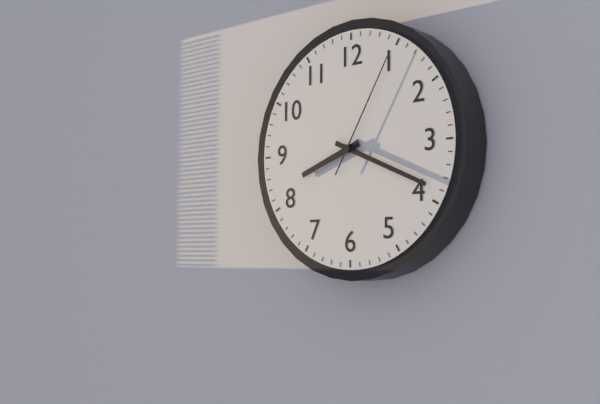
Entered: 8 h 19 min 05 s
